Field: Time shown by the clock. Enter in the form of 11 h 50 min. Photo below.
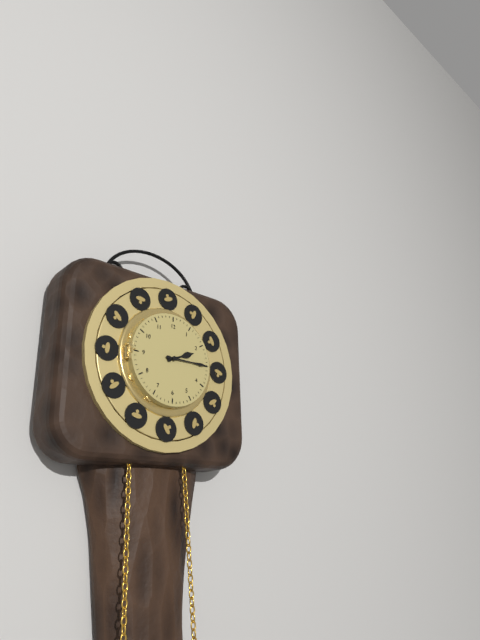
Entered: 2 h 15 min
